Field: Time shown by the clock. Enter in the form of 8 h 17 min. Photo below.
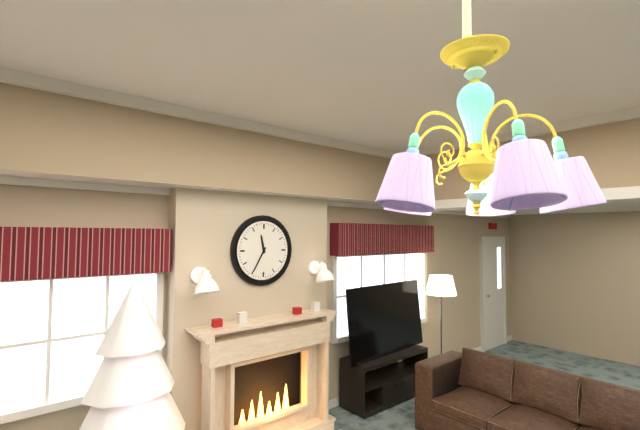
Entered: 11 h 35 min
